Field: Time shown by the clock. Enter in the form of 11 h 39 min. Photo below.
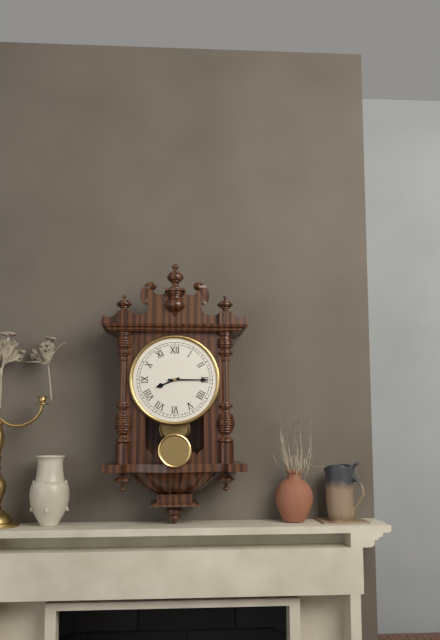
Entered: 8 h 15 min
